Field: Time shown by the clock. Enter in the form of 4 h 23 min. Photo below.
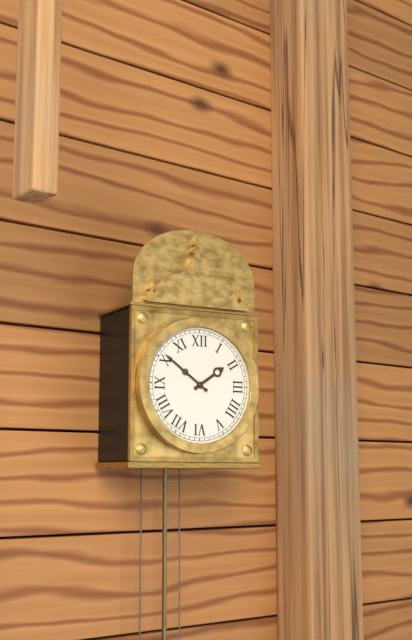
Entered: 1 h 51 min
